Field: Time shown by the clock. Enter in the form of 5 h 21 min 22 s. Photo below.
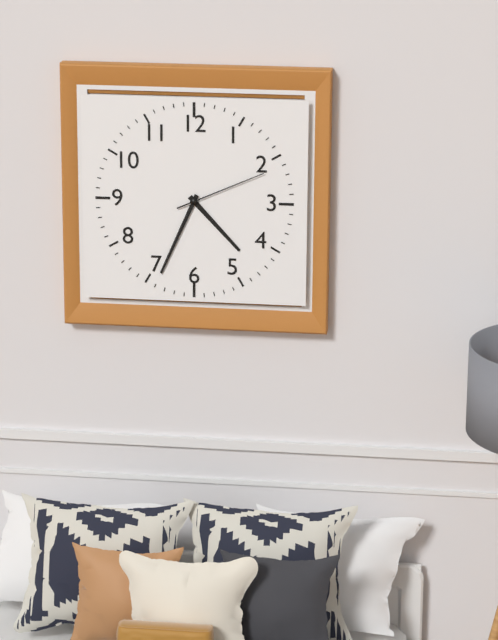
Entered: 4 h 34 min 11 s
